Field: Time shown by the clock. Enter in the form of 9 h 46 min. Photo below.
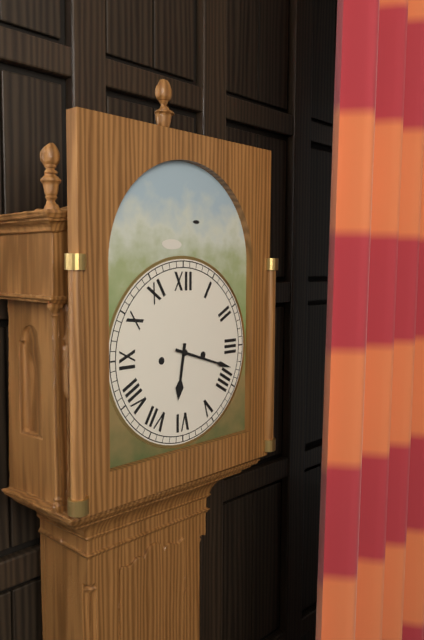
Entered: 6 h 18 min
